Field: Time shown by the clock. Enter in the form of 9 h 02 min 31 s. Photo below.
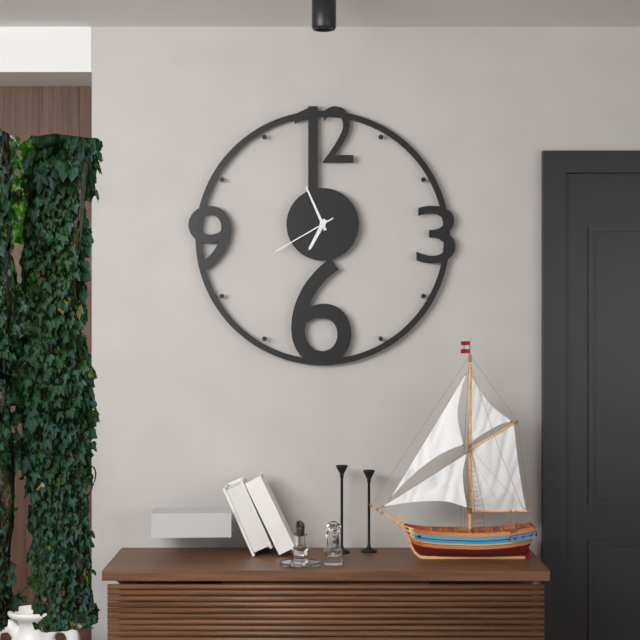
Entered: 6 h 56 min 40 s
